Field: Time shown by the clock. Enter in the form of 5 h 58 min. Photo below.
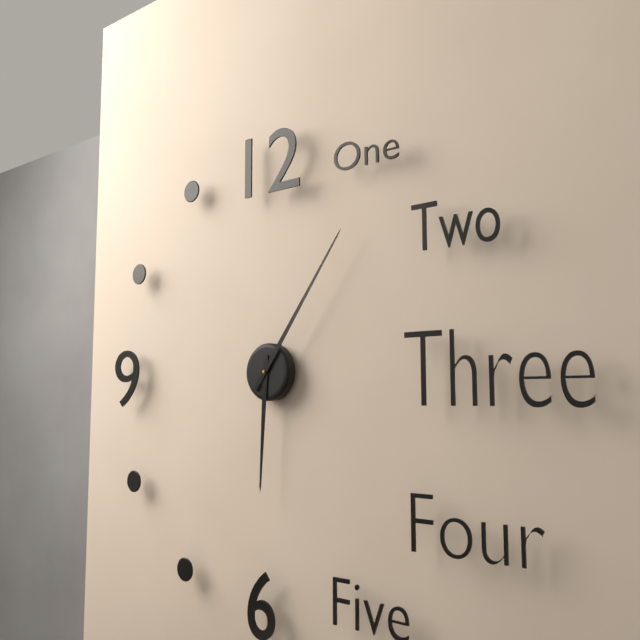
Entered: 6 h 06 min
